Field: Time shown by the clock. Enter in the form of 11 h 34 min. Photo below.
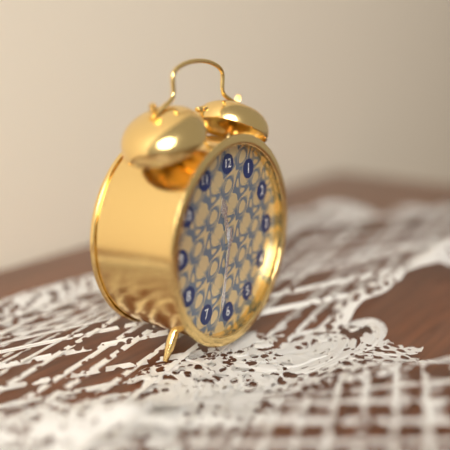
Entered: 11 h 32 min
